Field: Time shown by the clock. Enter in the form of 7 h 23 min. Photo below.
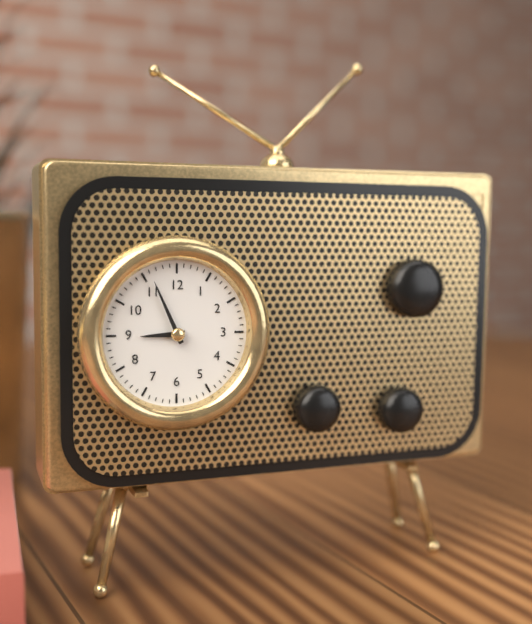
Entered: 8 h 56 min
